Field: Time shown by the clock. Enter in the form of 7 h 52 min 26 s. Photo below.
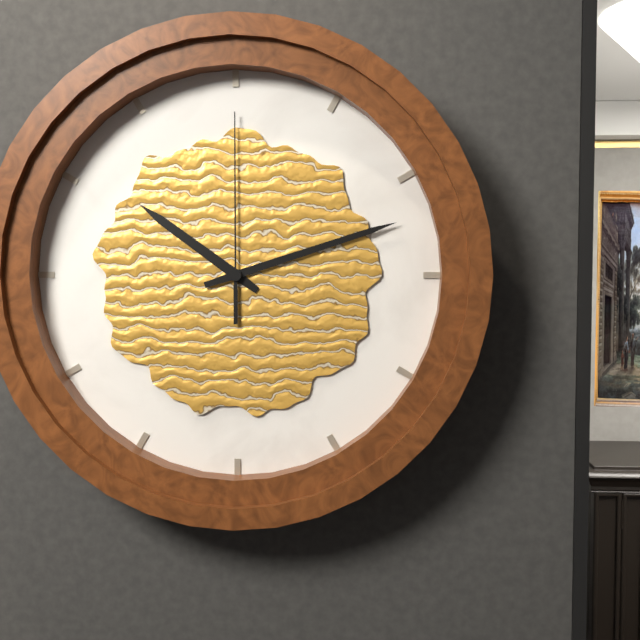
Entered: 10 h 12 min 00 s
